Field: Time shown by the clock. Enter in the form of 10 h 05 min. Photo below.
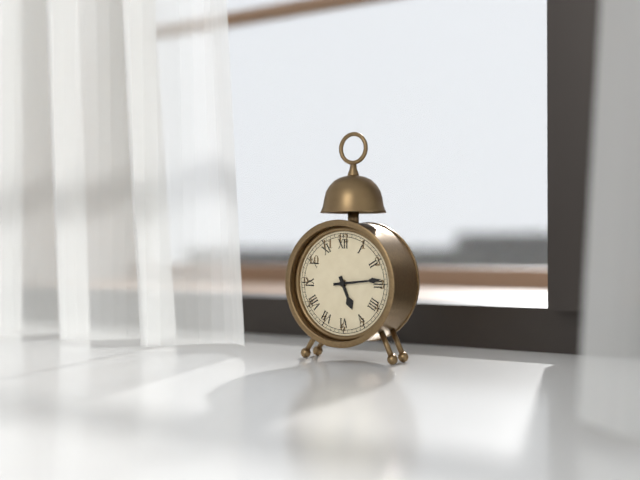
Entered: 5 h 14 min
